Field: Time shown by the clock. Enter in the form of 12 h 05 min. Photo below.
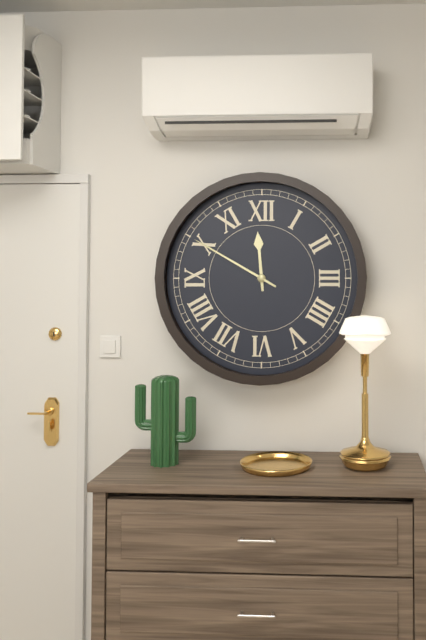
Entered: 11 h 50 min
